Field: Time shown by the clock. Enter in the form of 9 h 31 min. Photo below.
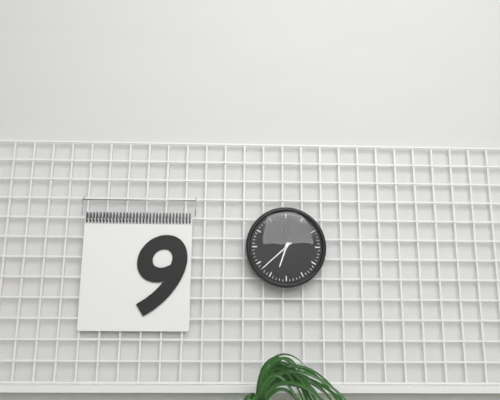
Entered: 6 h 38 min
